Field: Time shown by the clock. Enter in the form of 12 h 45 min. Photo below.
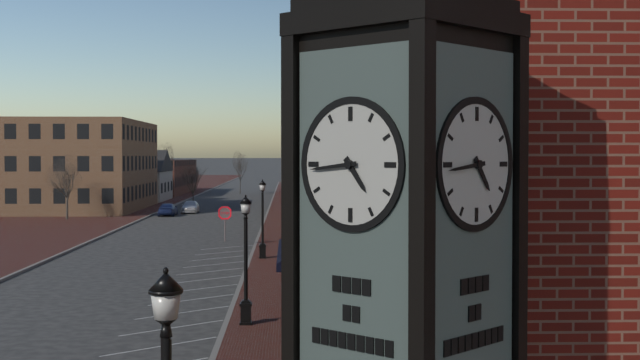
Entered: 4 h 44 min
